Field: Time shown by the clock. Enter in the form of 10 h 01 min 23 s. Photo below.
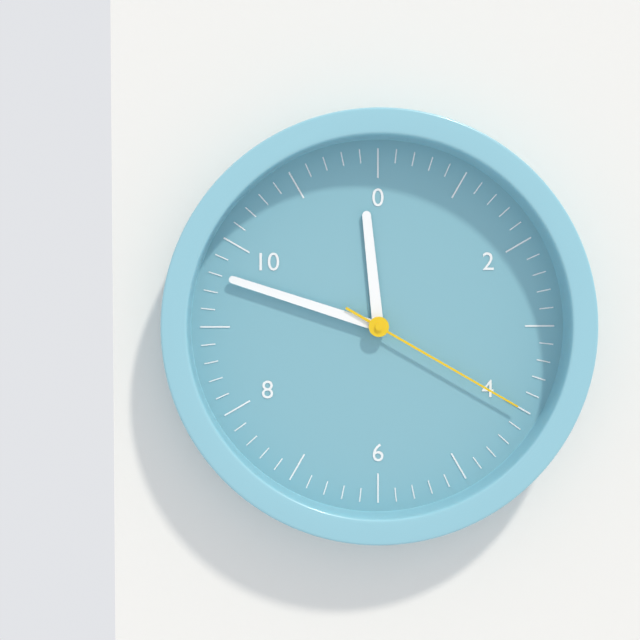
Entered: 11 h 48 min 20 s
